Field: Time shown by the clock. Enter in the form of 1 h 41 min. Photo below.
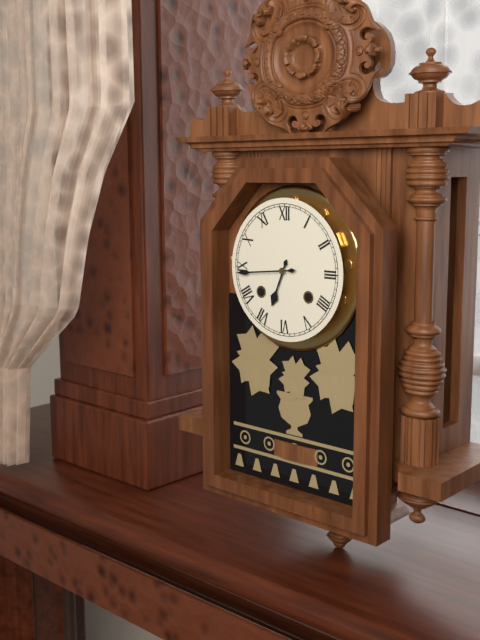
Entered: 6 h 44 min
